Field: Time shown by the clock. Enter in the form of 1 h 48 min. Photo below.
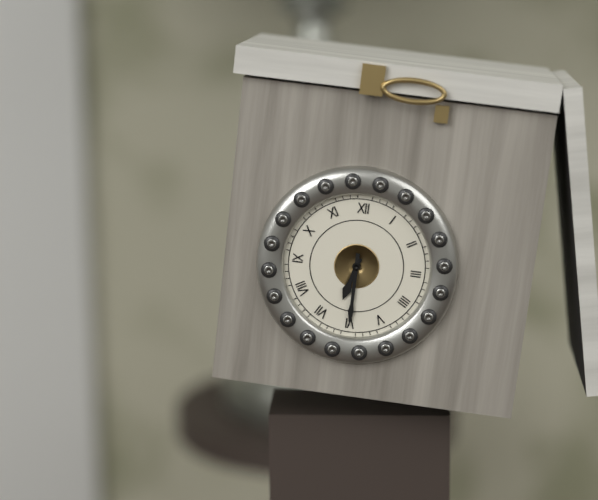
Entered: 6 h 30 min
